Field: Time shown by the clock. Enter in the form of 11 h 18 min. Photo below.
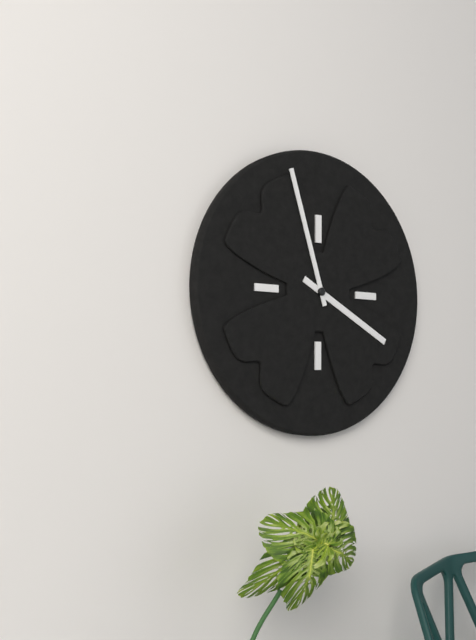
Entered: 3 h 57 min
